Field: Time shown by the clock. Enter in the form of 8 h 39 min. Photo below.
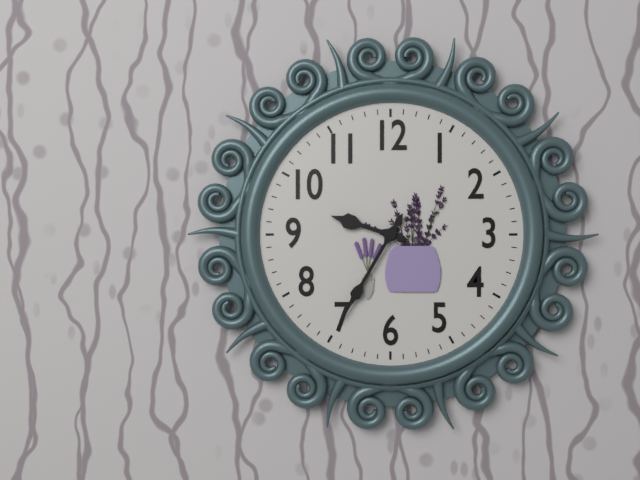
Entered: 9 h 35 min
